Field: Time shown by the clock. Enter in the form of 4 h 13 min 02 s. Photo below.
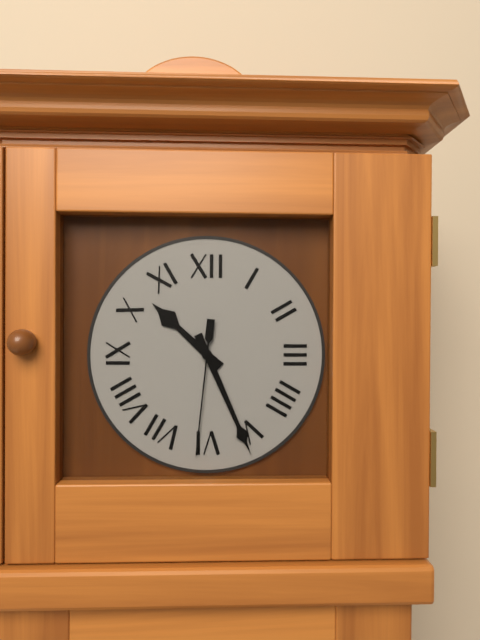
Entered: 10 h 26 min 31 s
